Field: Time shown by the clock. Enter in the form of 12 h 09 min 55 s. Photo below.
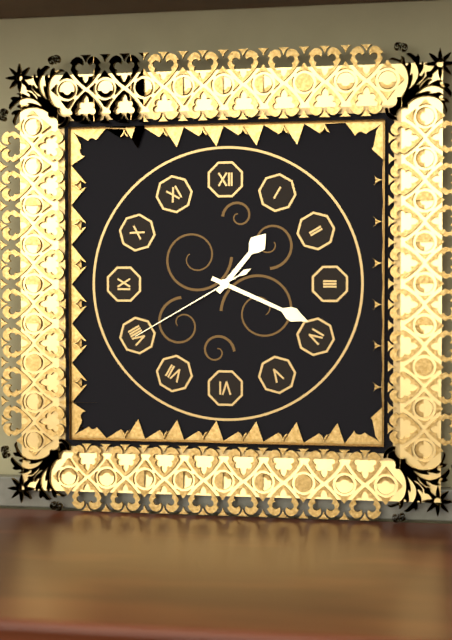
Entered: 1 h 19 min 40 s
